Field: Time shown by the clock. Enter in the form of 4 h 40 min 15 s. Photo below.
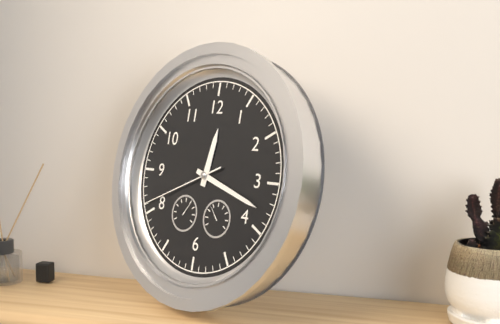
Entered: 12 h 18 min 41 s
